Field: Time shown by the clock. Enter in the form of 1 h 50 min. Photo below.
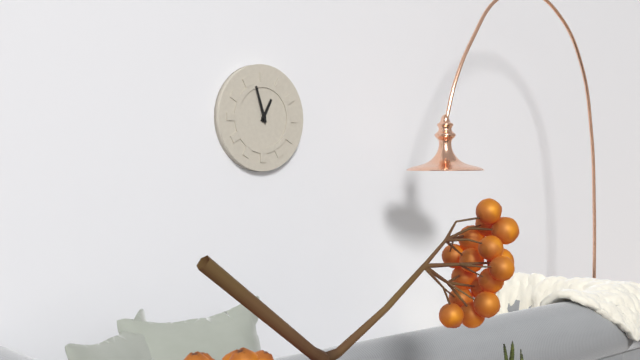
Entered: 12 h 57 min
